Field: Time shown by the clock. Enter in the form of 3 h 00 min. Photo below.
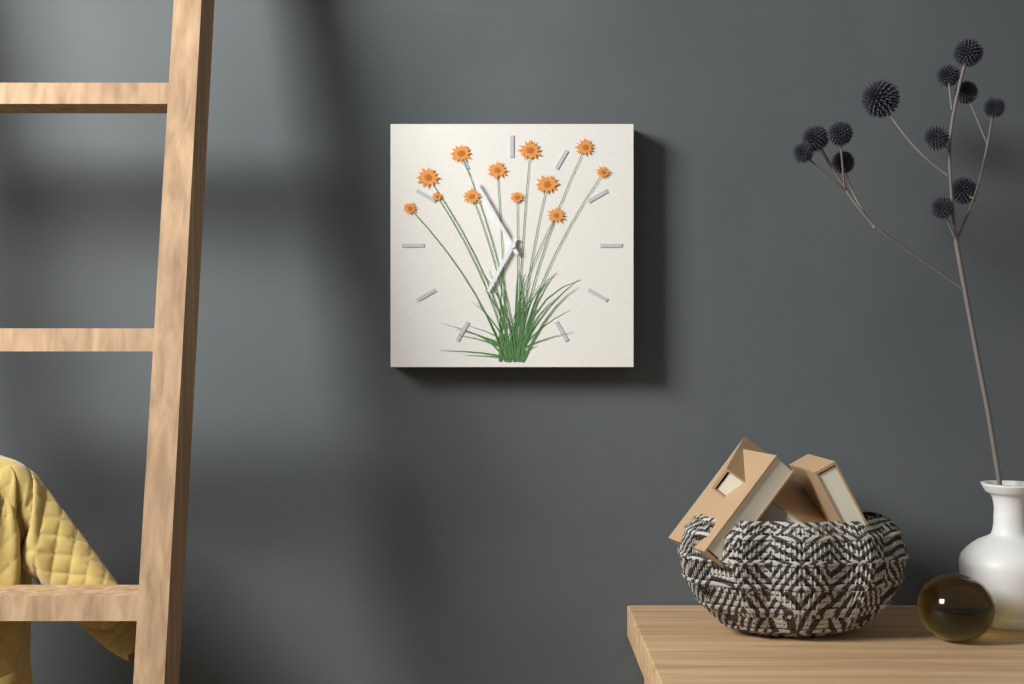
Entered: 6 h 55 min
